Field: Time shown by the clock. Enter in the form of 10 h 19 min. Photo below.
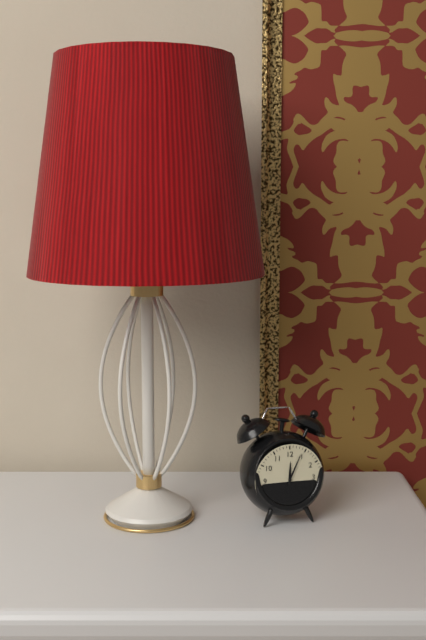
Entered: 12 h 04 min
